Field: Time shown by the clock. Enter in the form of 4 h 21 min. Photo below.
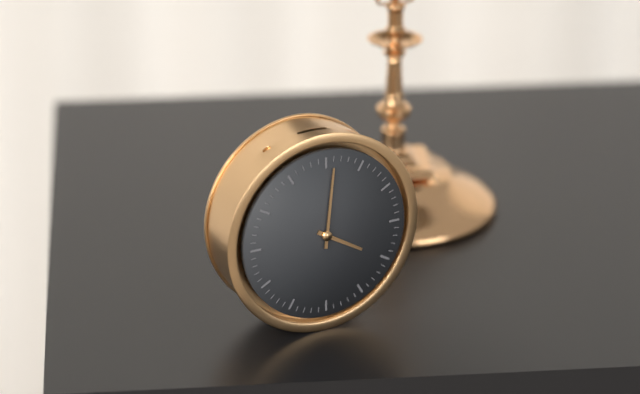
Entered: 4 h 01 min
